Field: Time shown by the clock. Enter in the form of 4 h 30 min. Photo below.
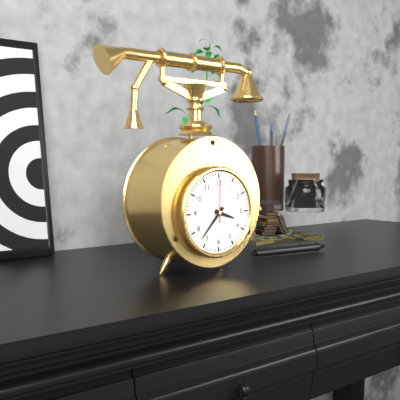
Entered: 3 h 37 min
